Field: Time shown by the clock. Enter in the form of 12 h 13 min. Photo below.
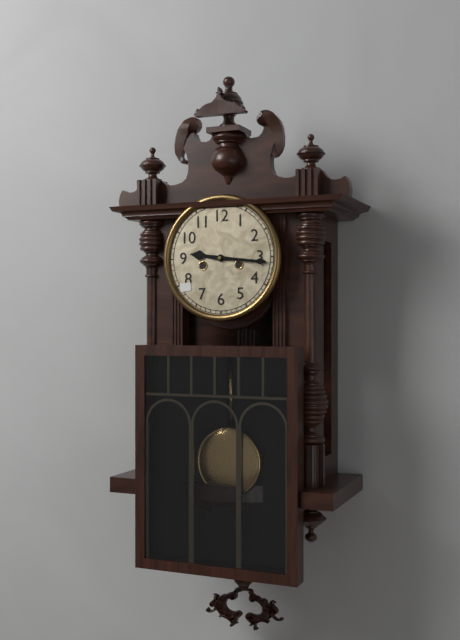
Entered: 9 h 16 min
